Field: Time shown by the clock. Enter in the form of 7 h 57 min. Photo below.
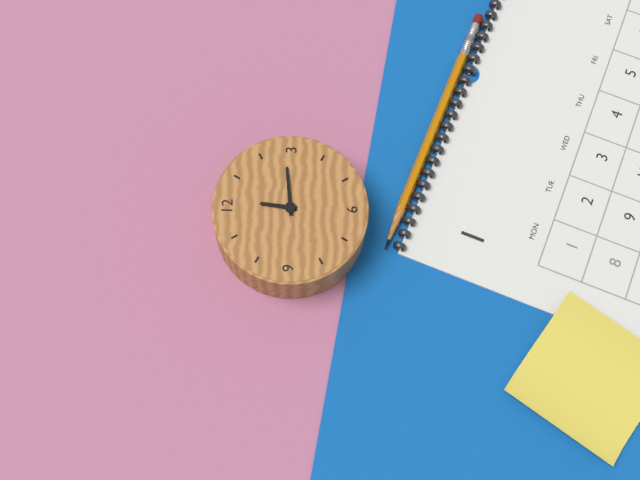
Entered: 12 h 14 min
